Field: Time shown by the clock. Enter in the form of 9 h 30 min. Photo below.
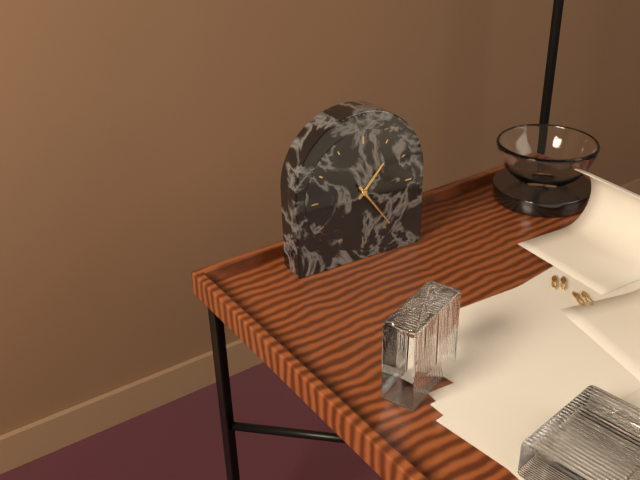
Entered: 1 h 24 min
